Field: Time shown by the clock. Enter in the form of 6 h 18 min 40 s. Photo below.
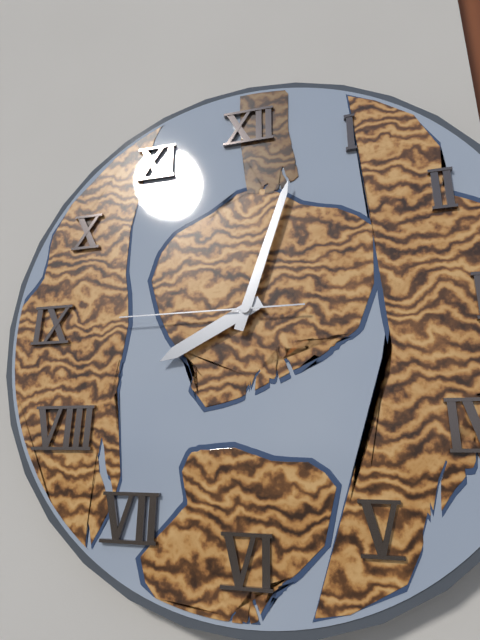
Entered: 8 h 03 min 45 s
